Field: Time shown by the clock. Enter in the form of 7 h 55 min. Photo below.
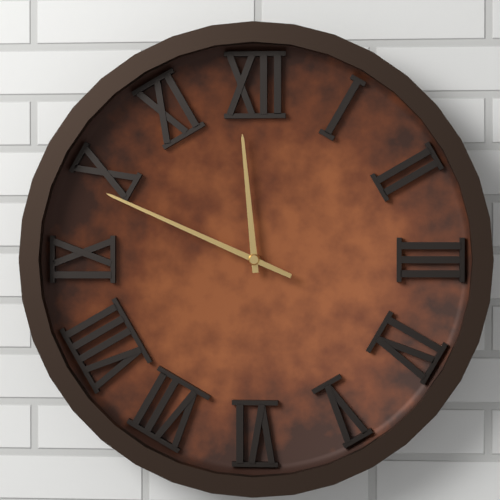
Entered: 11 h 49 min
